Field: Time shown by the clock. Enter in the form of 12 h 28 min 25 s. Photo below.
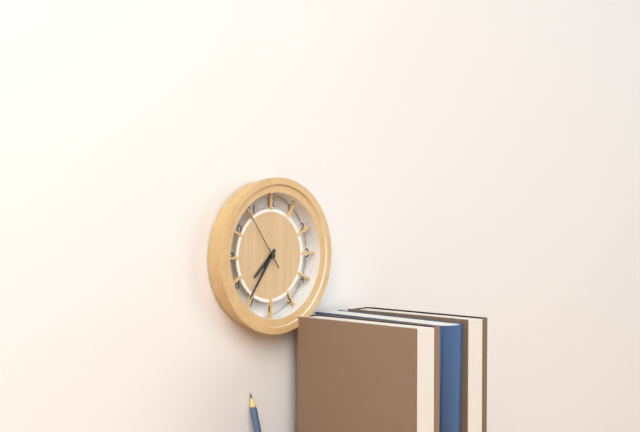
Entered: 7 h 36 min 54 s
